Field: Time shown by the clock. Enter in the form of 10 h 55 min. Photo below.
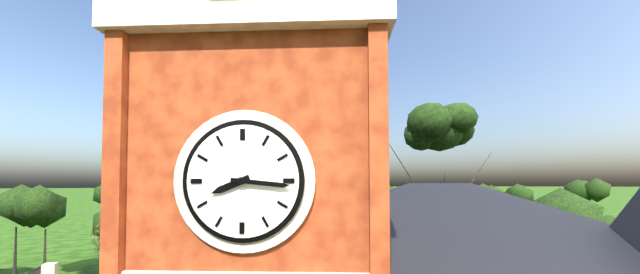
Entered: 8 h 16 min
